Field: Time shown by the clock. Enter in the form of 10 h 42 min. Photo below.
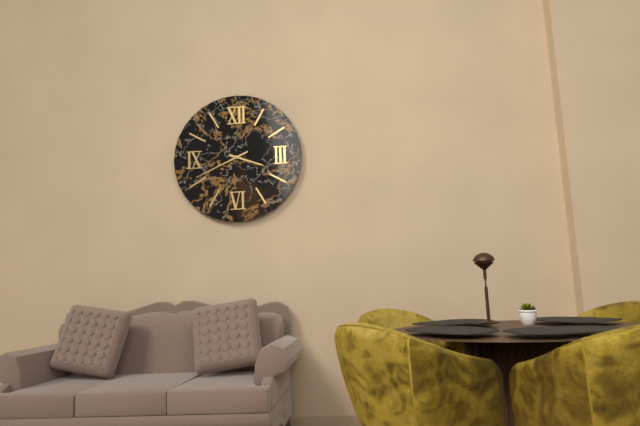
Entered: 3 h 41 min
